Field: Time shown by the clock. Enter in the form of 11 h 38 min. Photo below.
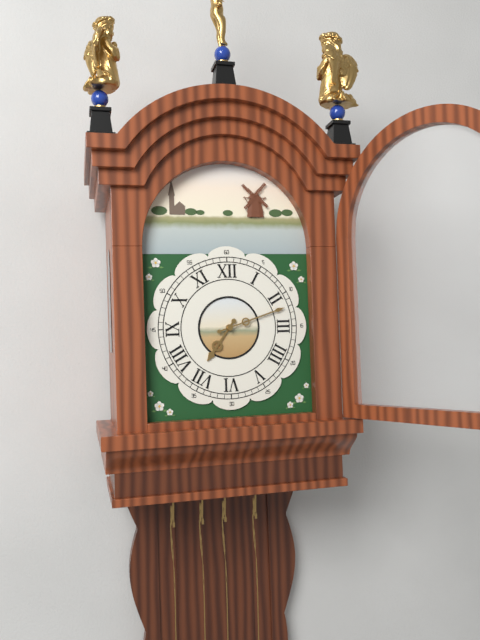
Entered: 7 h 12 min
